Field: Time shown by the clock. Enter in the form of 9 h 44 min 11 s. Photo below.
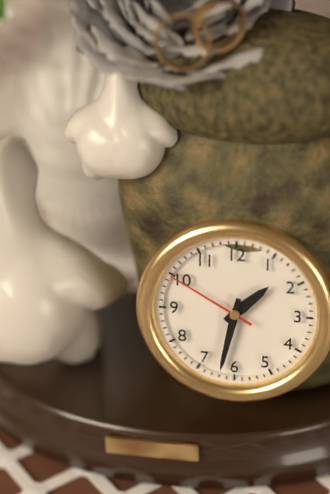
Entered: 1 h 32 min 50 s
